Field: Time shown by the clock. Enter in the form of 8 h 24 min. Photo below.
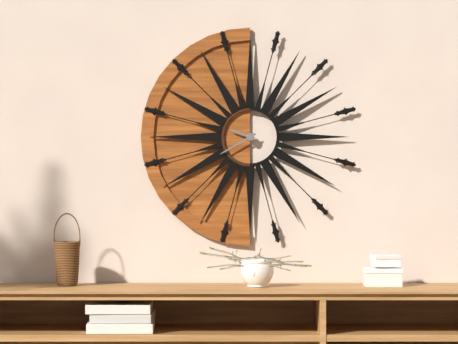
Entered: 9 h 40 min
